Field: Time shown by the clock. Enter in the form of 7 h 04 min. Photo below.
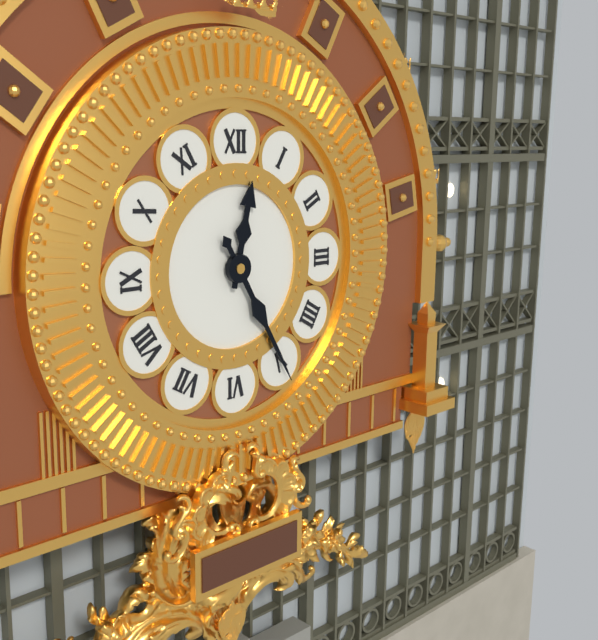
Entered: 12 h 25 min
